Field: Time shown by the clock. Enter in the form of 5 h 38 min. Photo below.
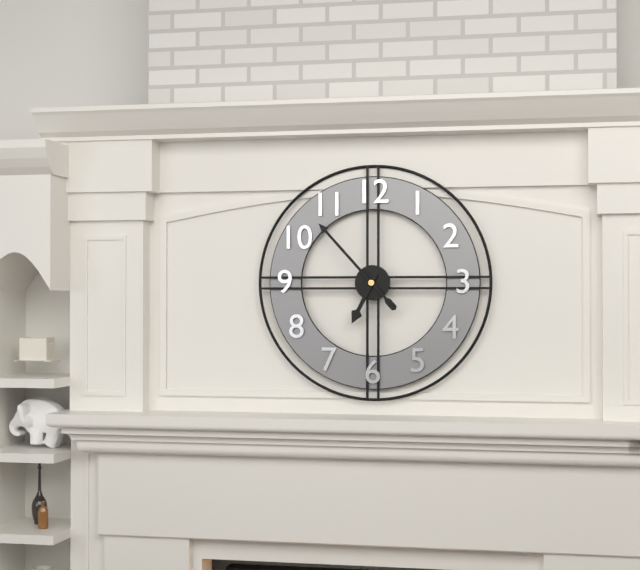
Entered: 6 h 53 min
